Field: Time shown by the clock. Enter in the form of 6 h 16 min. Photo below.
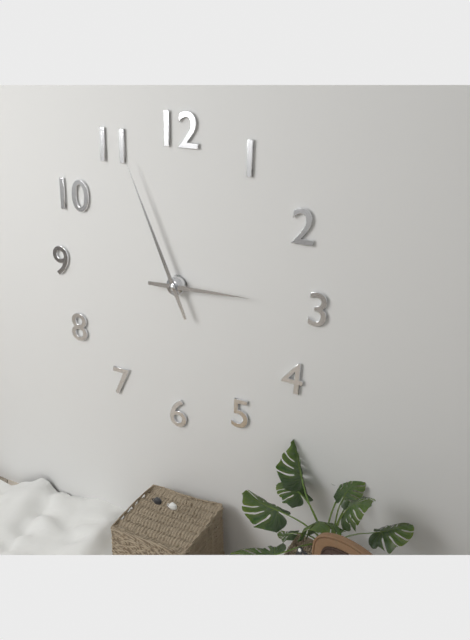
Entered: 2 h 56 min
